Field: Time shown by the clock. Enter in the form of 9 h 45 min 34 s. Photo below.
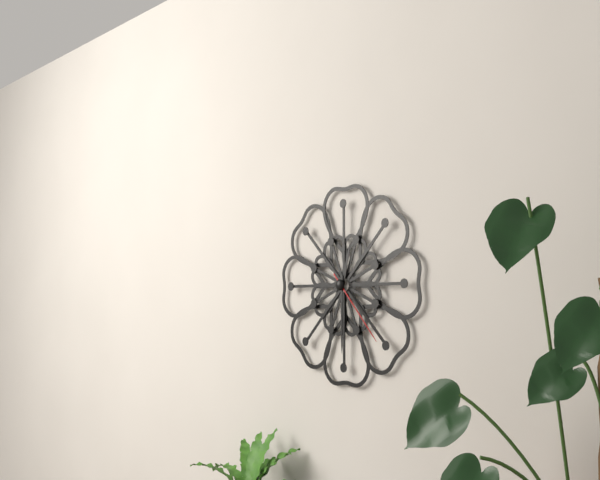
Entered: 12 h 30 min 23 s
